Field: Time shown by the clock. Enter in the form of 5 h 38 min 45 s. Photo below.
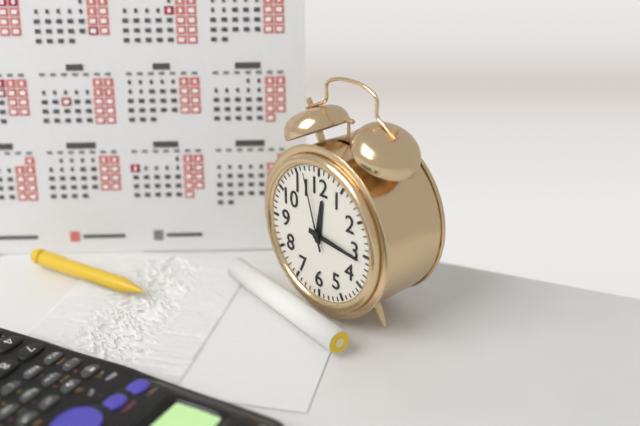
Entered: 12 h 16 min 57 s
